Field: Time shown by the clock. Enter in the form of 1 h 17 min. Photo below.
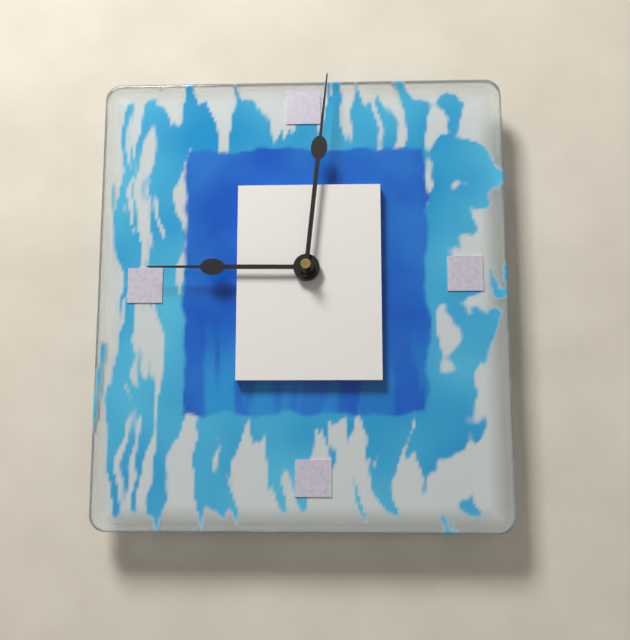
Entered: 9 h 01 min
